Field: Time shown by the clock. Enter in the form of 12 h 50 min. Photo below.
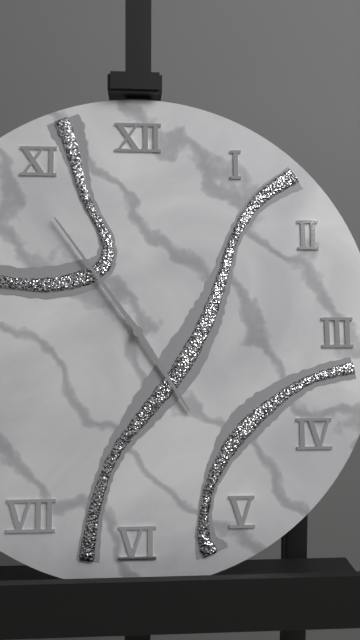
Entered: 4 h 54 min
